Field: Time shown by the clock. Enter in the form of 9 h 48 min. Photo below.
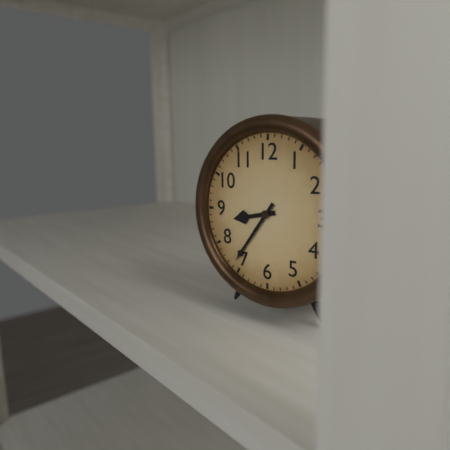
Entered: 8 h 36 min
